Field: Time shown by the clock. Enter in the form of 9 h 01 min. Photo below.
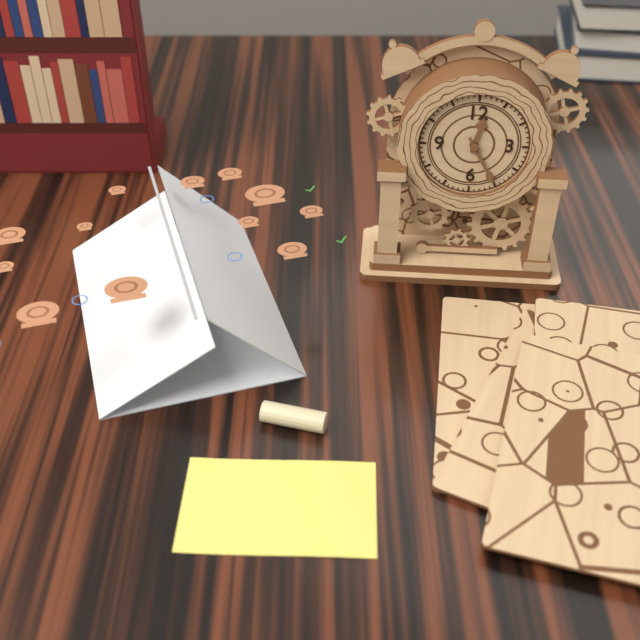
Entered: 12 h 25 min
